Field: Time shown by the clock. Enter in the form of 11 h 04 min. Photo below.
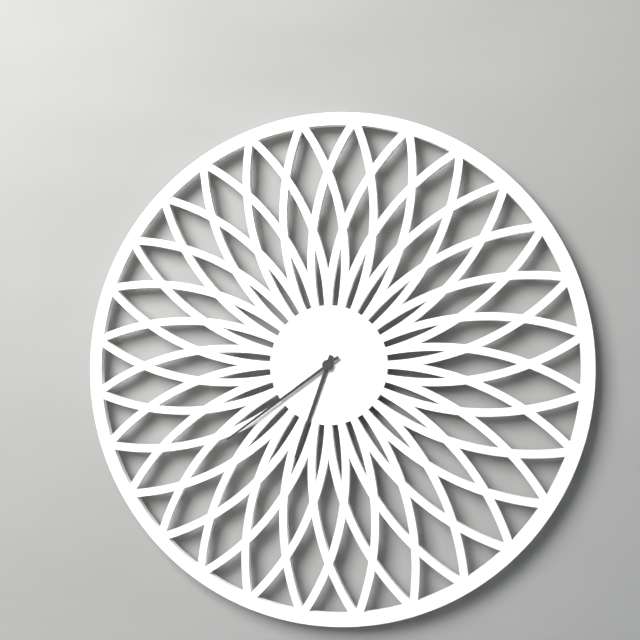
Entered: 6 h 39 min
